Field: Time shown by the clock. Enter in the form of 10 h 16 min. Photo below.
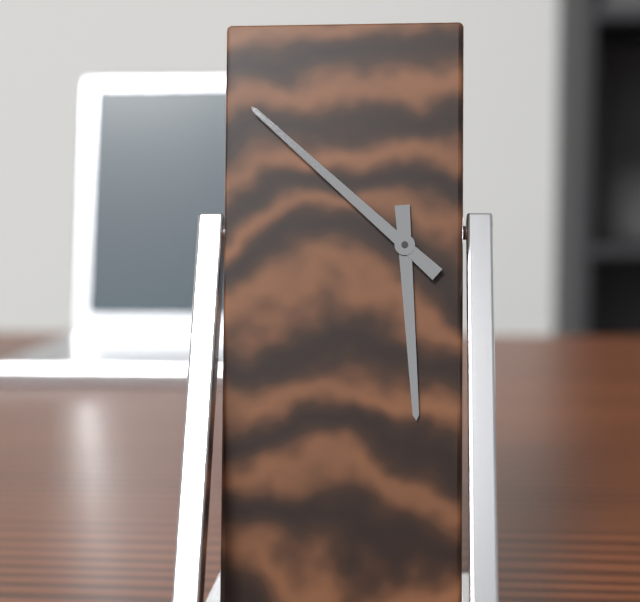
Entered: 5 h 52 min
